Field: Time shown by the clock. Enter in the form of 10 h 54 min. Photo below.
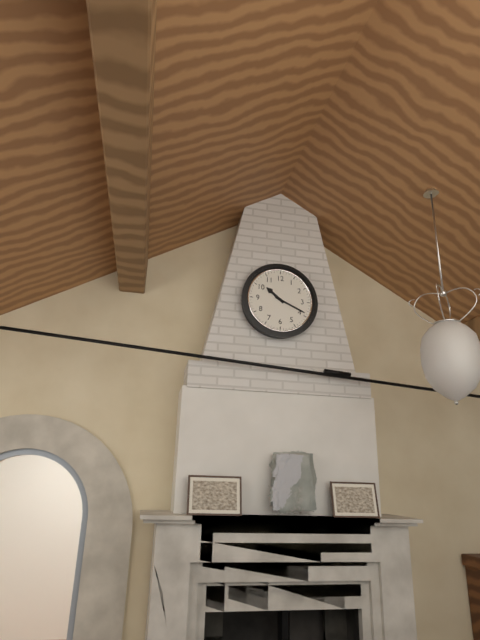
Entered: 10 h 19 min
